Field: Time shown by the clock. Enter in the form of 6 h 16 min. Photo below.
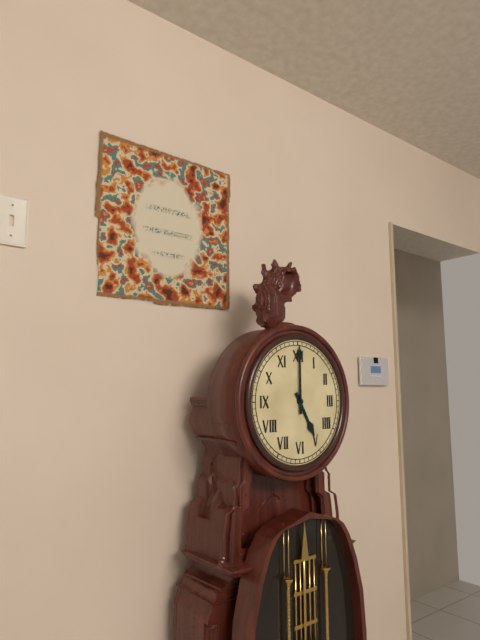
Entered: 5 h 00 min
